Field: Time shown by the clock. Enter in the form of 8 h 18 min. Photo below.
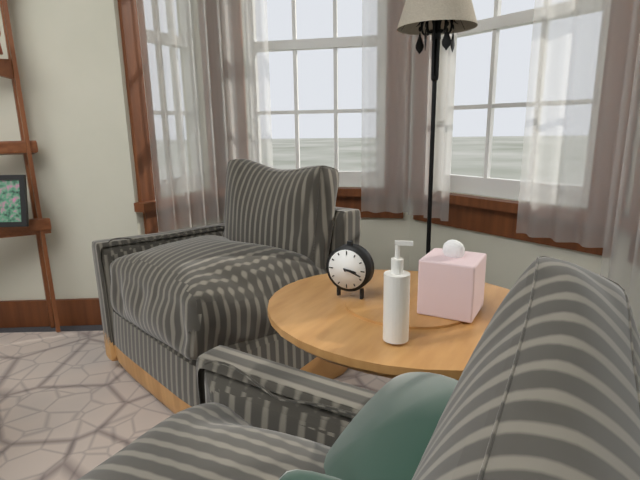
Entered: 3 h 18 min
